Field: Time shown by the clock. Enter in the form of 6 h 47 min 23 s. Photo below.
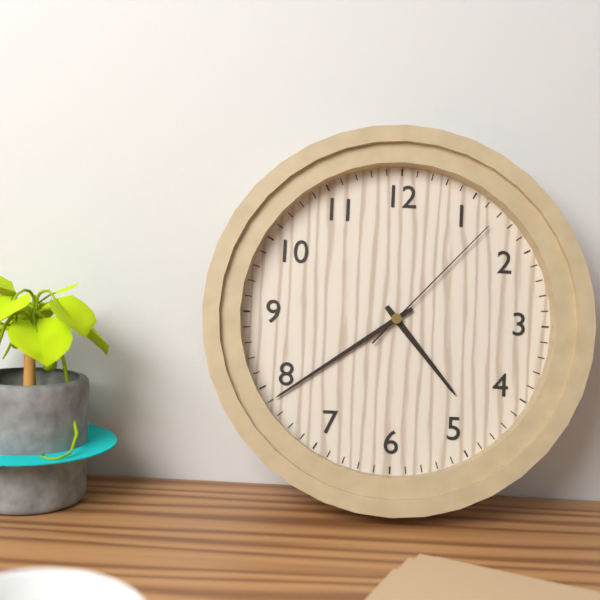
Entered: 4 h 39 min 07 s
